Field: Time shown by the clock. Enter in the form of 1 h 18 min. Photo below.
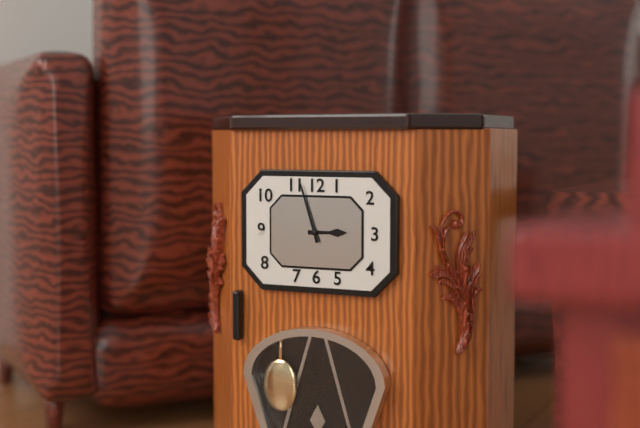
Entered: 2 h 57 min
